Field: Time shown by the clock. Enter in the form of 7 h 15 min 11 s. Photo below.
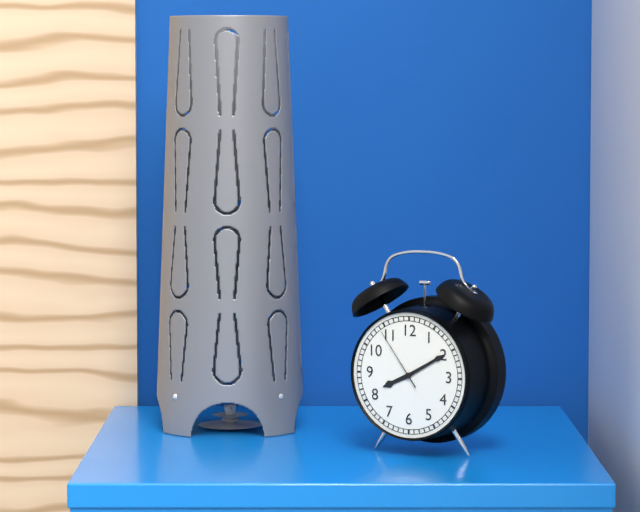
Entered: 8 h 10 min 54 s
